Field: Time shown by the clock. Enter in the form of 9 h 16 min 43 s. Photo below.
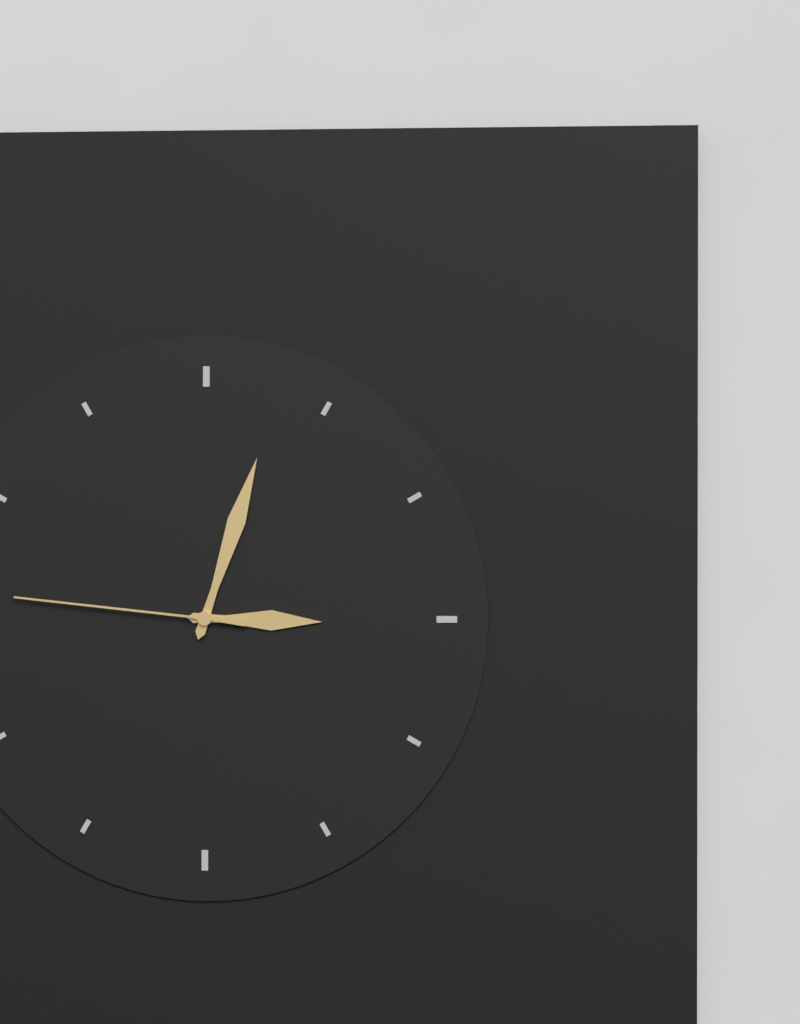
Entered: 3 h 03 min 46 s
